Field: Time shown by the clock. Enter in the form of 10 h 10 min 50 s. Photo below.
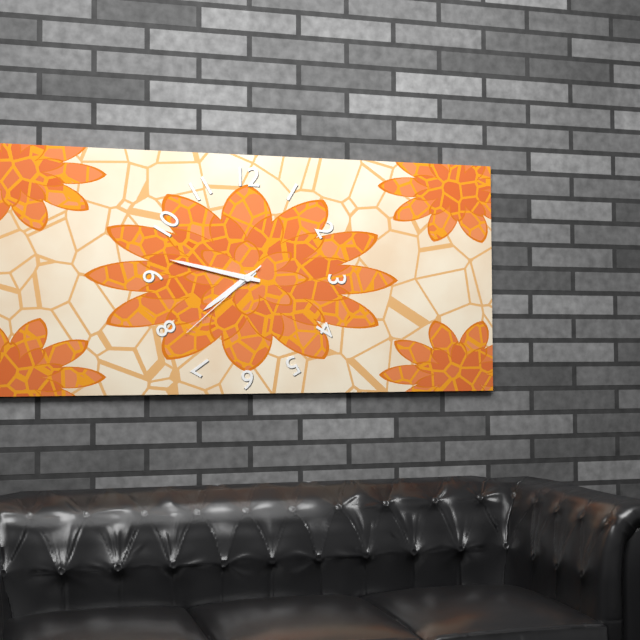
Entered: 7 h 47 min 38 s
